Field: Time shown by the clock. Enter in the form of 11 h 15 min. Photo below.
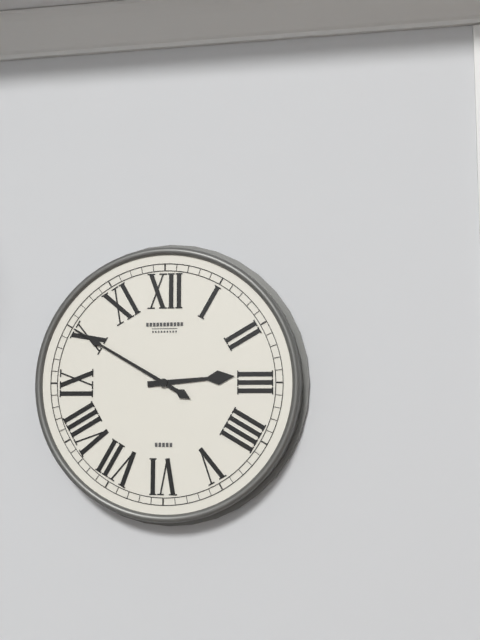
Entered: 2 h 50 min
